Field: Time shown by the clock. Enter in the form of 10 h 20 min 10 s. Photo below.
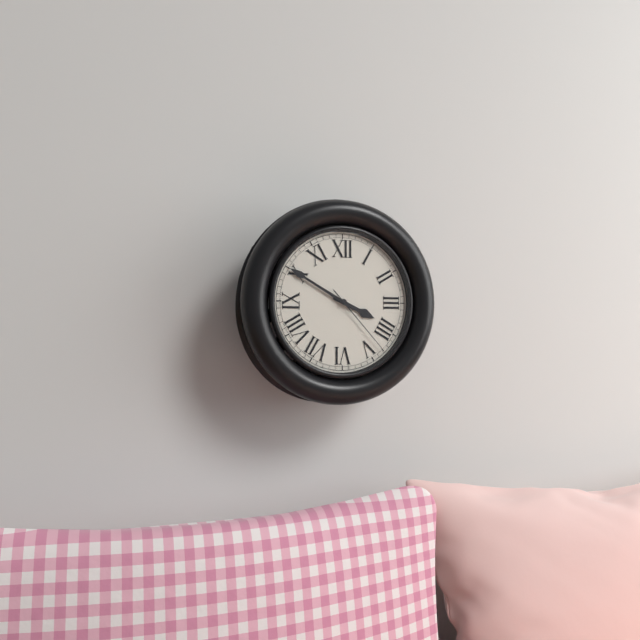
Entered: 3 h 50 min 23 s
